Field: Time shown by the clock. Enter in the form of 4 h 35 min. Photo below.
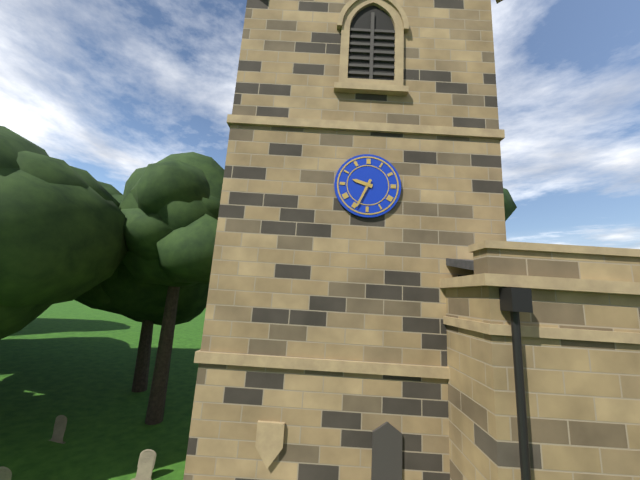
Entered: 9 h 34 min
